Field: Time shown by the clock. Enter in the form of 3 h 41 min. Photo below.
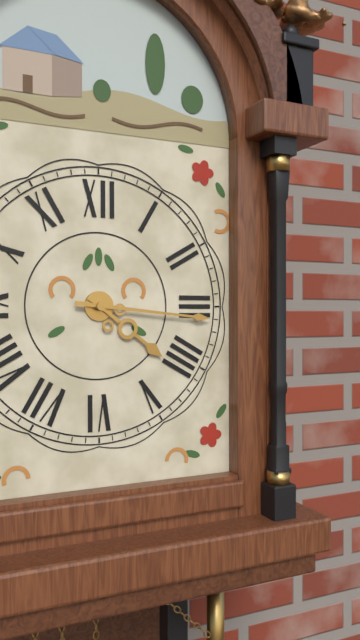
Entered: 4 h 16 min
